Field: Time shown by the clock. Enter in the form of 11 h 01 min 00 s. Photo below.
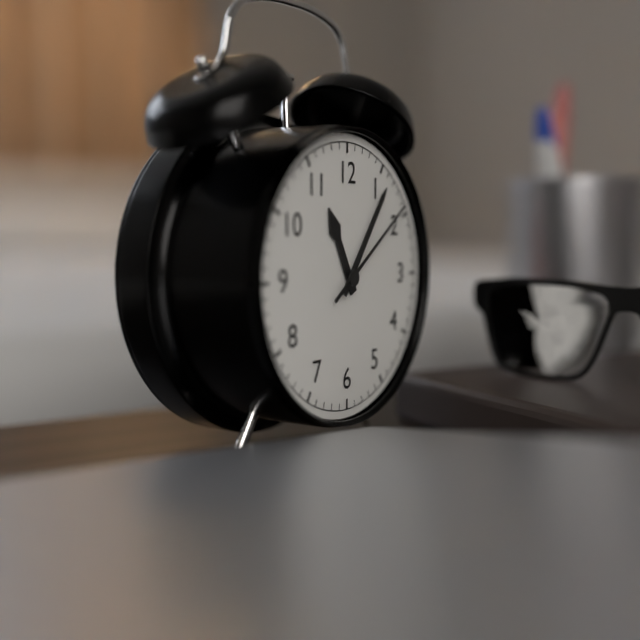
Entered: 11 h 06 min 09 s
